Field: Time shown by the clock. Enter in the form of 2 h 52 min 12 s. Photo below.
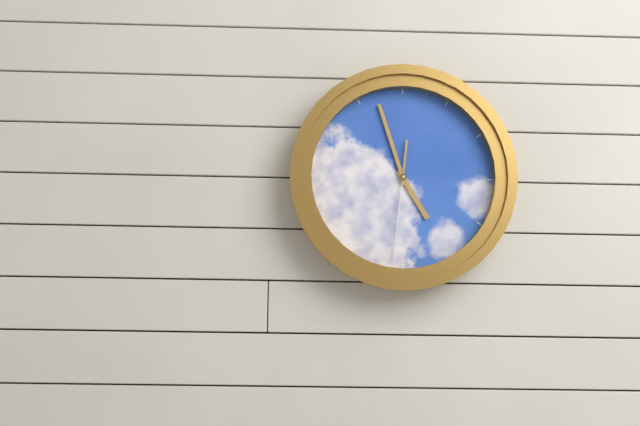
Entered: 4 h 57 min 31 s
